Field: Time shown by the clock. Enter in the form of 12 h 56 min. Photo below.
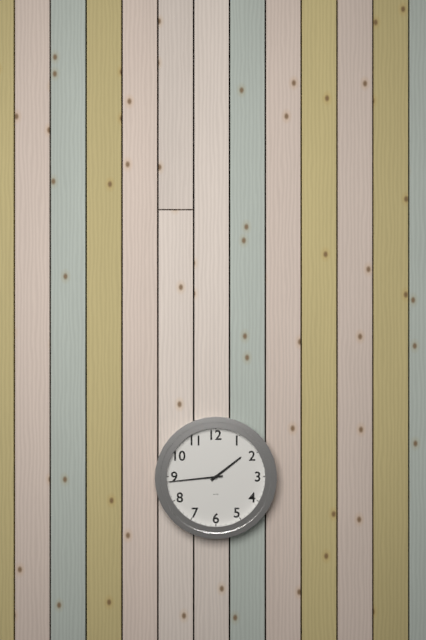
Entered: 1 h 44 min
